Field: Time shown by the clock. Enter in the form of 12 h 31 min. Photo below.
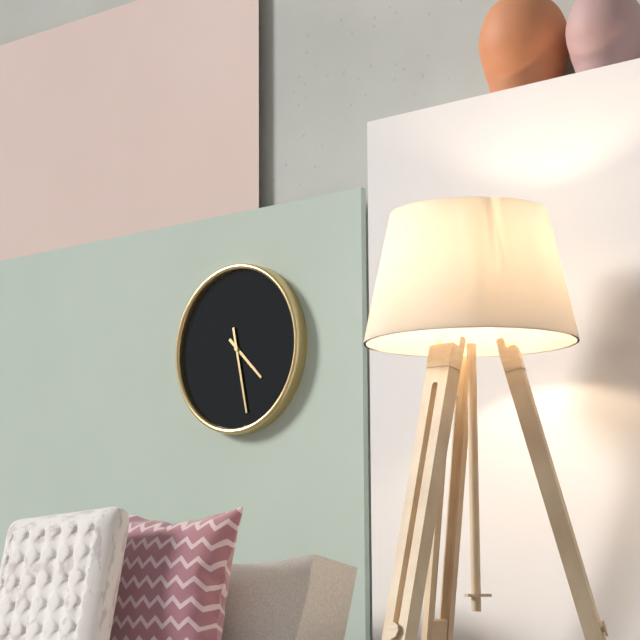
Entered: 4 h 28 min
